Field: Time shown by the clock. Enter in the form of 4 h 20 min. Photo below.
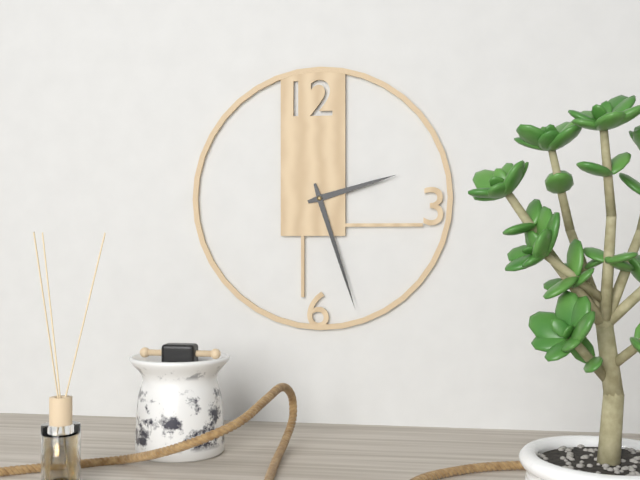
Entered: 2 h 27 min
